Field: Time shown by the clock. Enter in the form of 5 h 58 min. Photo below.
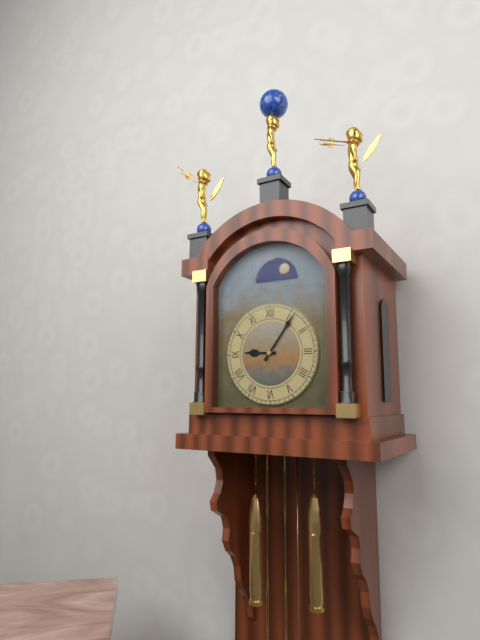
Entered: 9 h 06 min
